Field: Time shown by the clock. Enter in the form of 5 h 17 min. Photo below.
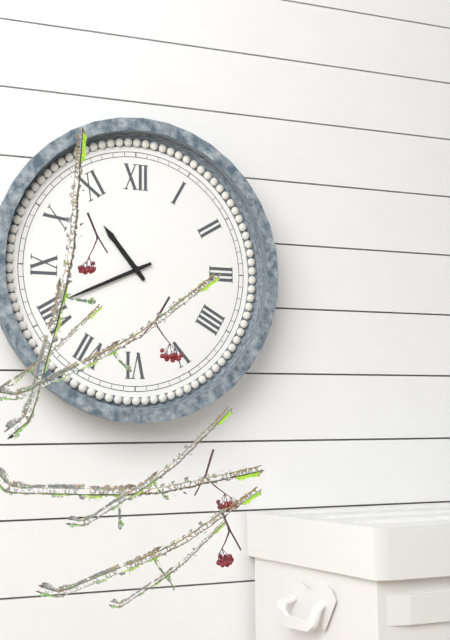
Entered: 10 h 41 min
